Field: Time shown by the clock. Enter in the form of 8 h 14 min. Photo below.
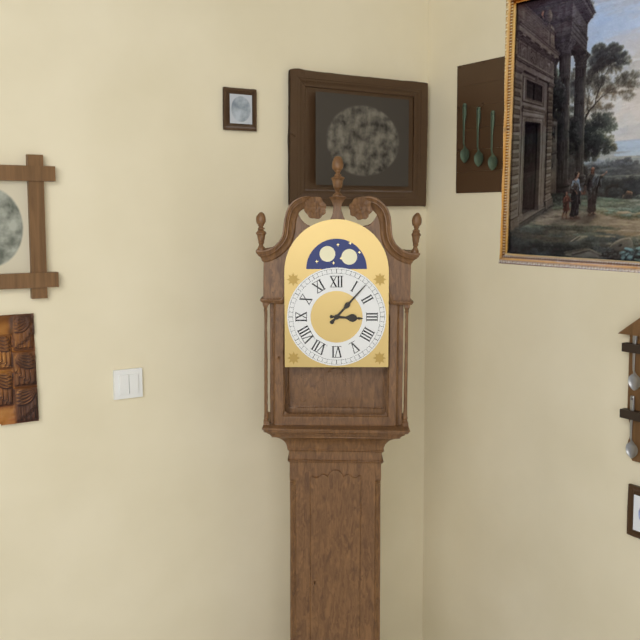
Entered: 3 h 07 min
